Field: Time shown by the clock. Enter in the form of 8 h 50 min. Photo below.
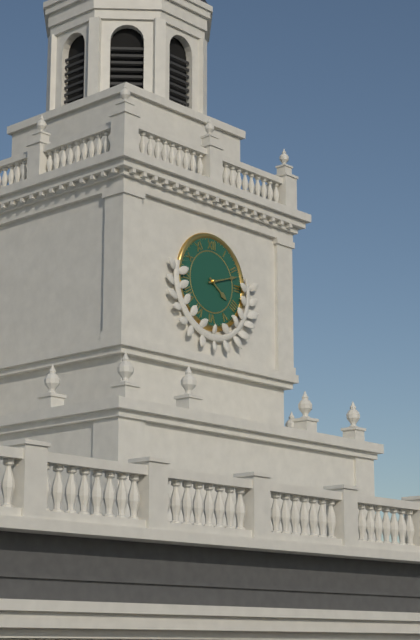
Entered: 4 h 12 min
